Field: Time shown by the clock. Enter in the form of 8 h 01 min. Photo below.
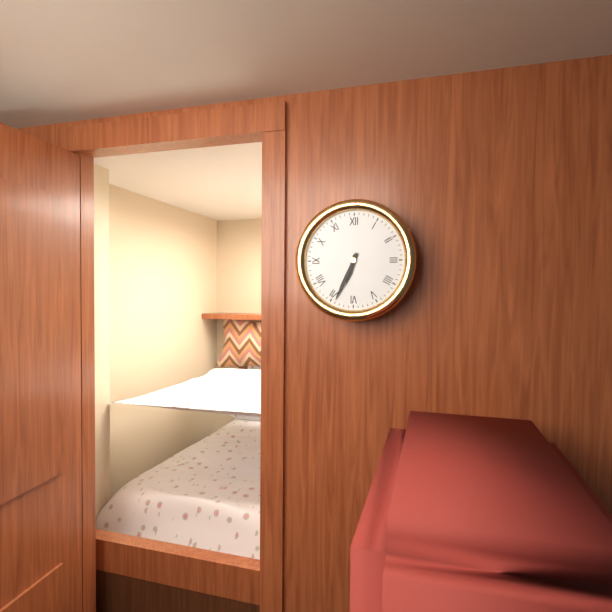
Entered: 6 h 34 min
